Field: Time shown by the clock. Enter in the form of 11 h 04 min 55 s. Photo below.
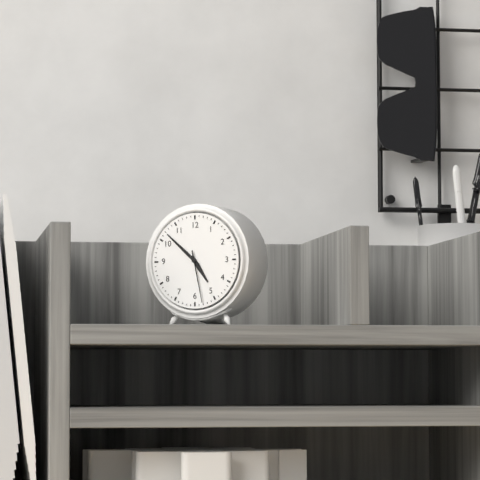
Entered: 4 h 52 min 28 s
